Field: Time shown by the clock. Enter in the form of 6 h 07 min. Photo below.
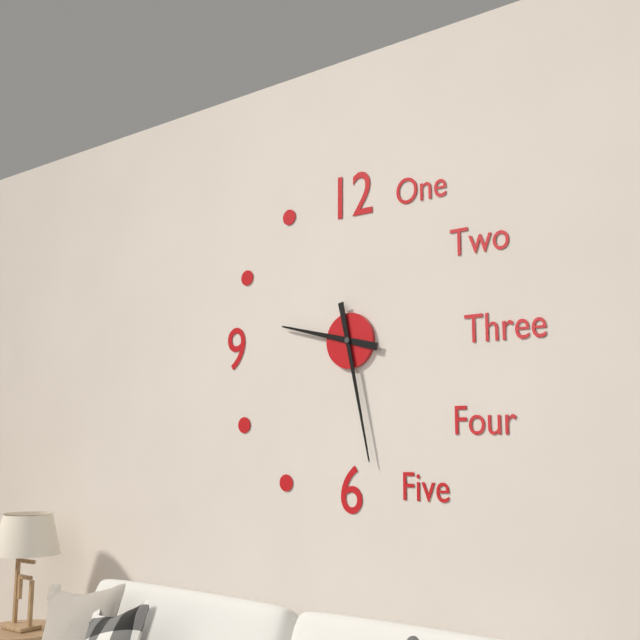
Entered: 9 h 28 min
